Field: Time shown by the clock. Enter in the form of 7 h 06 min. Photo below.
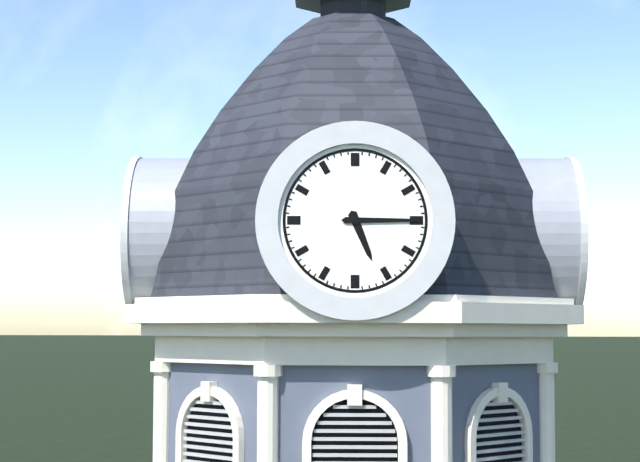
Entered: 5 h 15 min
